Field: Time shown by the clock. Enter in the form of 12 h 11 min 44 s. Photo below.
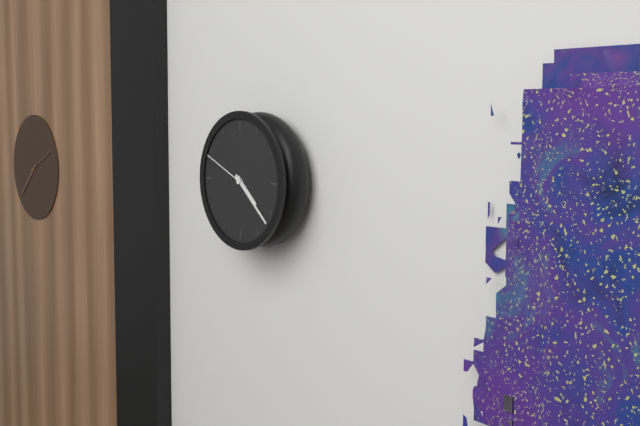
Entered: 4 h 22 min 49 s
